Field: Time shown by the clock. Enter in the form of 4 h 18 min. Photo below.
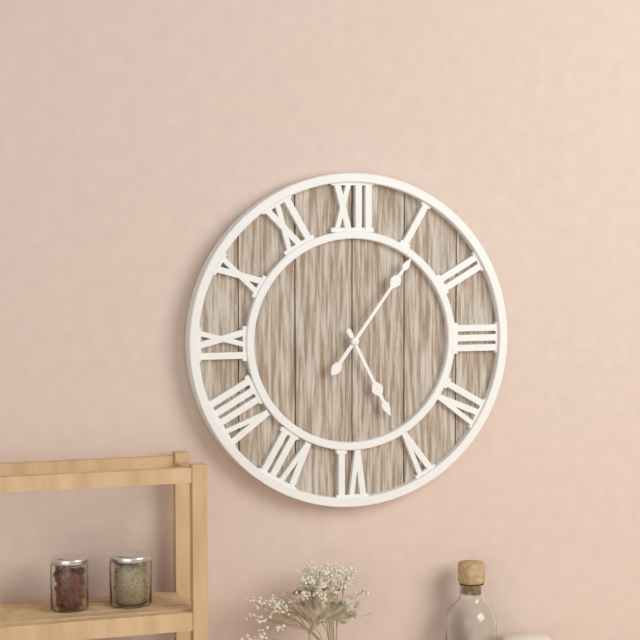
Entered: 5 h 06 min
